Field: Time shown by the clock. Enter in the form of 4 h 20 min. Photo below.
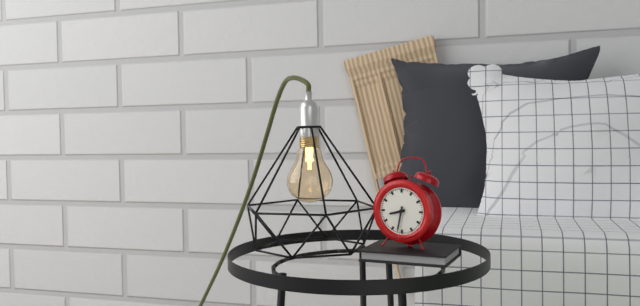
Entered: 8 h 32 min
